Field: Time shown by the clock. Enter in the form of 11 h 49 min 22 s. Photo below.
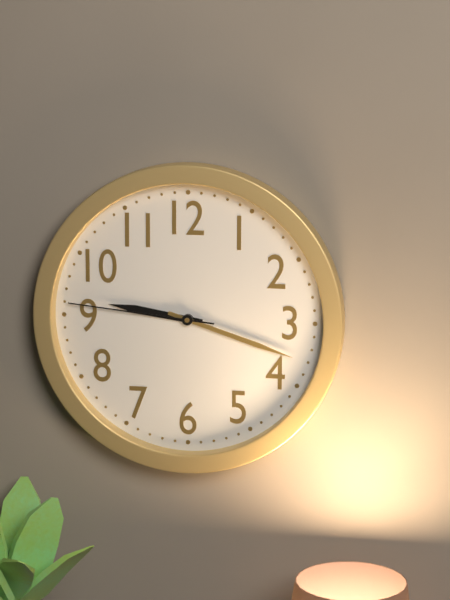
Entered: 9 h 18 min 46 s
